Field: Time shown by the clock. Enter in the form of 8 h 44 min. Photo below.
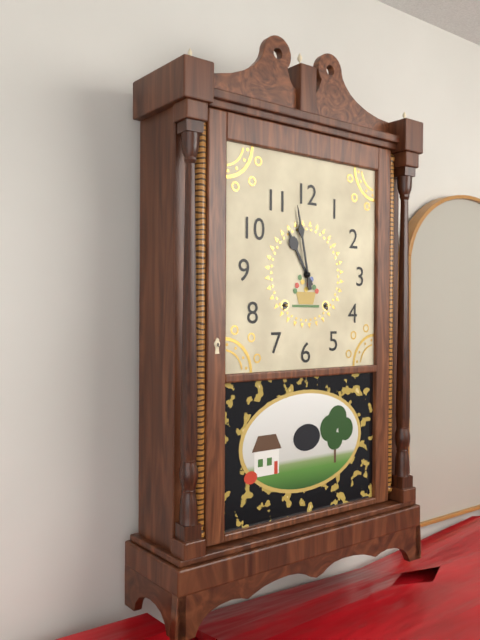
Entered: 10 h 58 min
